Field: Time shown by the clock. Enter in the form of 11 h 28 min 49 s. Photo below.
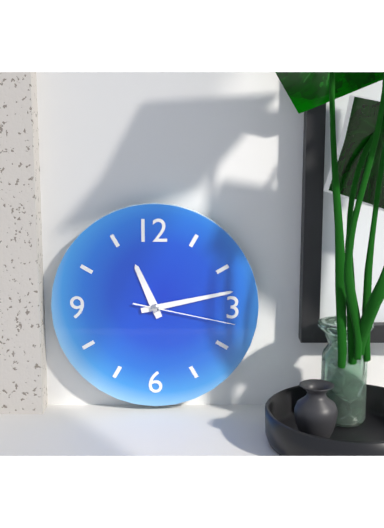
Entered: 11 h 13 min 17 s
